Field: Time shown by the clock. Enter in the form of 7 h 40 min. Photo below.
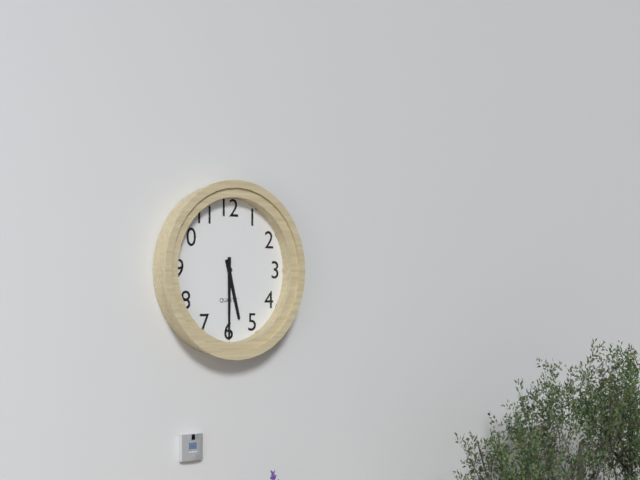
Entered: 5 h 30 min
